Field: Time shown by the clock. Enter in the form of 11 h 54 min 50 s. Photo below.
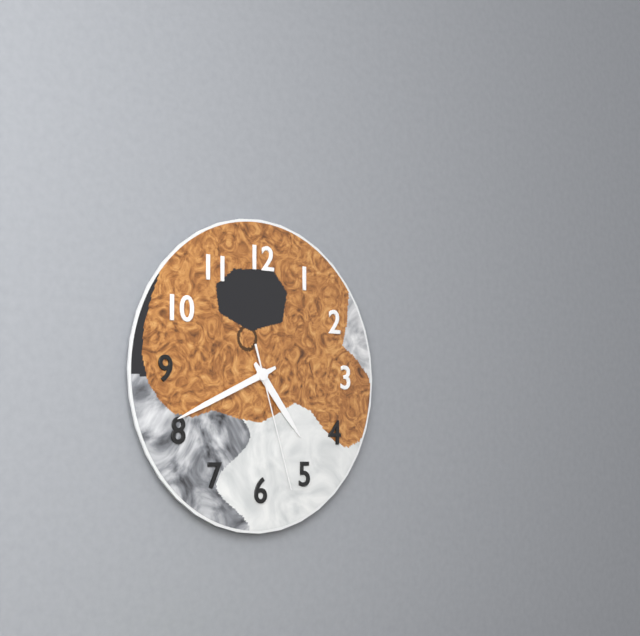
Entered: 4 h 41 min 27 s
